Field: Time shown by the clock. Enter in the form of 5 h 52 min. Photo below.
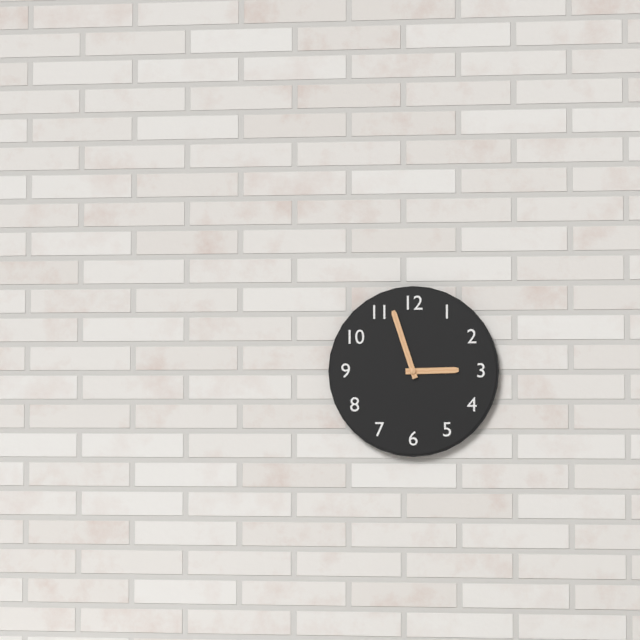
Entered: 2 h 57 min
